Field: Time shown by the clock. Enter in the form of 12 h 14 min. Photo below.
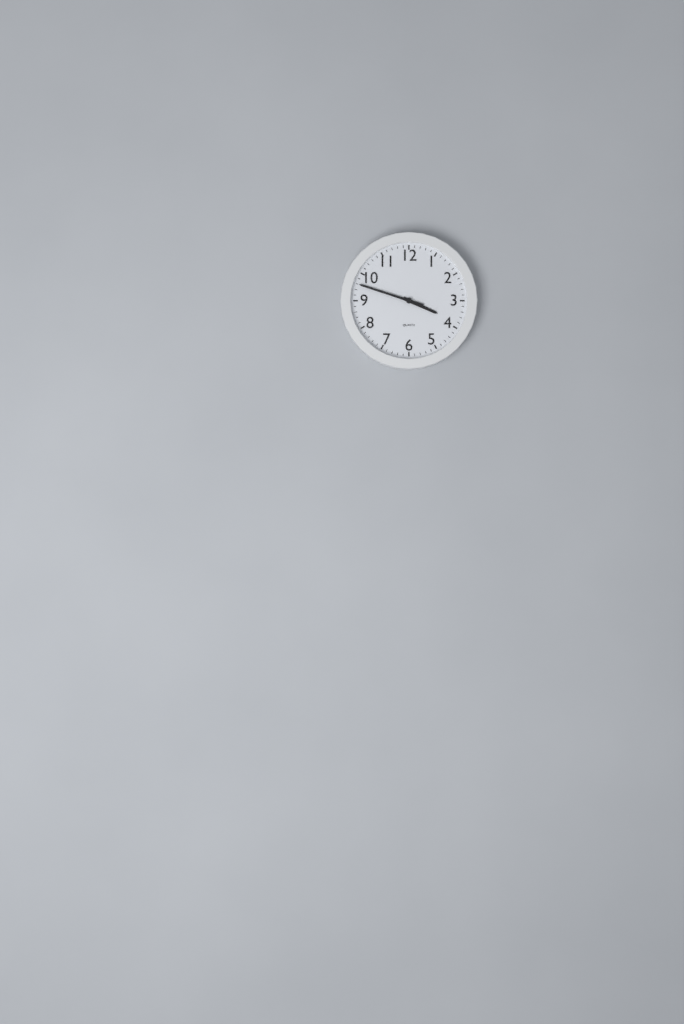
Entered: 3 h 48 min
